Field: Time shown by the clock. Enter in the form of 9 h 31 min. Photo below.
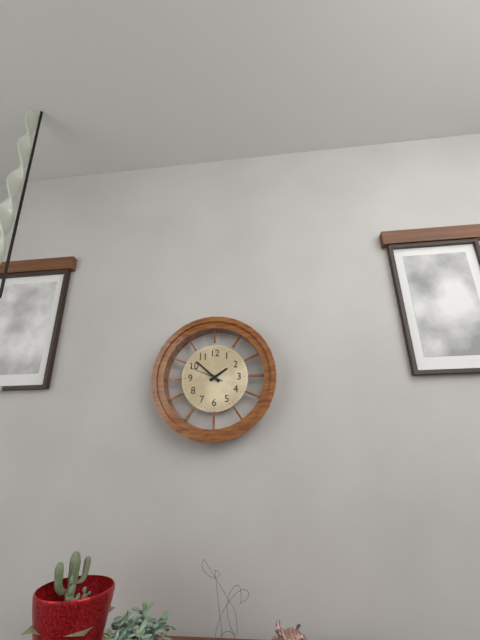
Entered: 1 h 52 min
